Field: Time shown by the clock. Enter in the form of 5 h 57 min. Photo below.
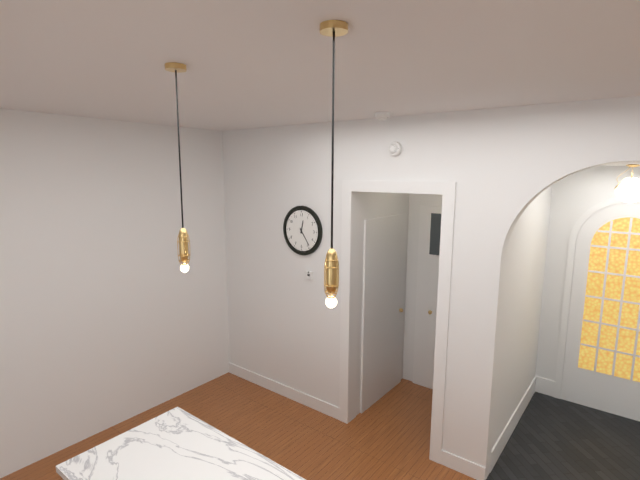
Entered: 12 h 24 min
